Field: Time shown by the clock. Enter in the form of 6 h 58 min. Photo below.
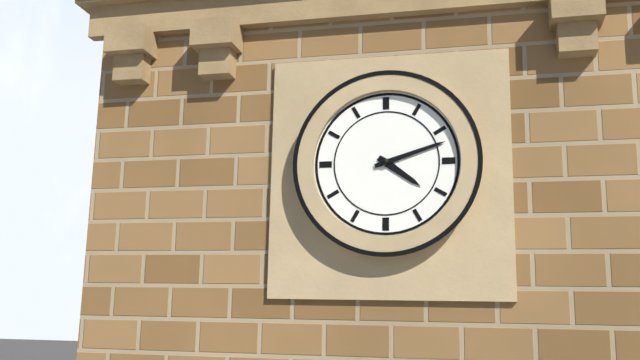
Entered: 4 h 12 min
